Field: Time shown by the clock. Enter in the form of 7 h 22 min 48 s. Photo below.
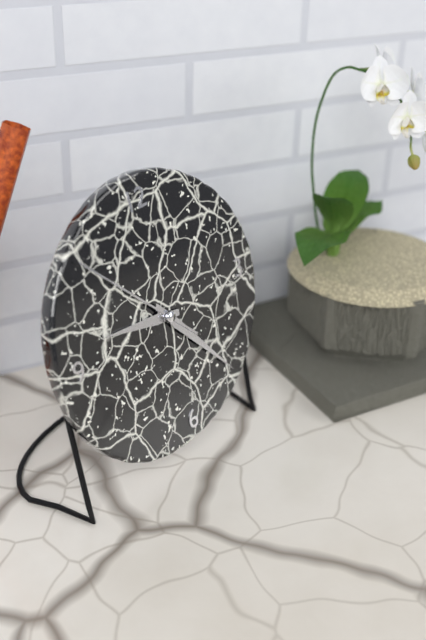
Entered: 9 h 24 min 53 s
